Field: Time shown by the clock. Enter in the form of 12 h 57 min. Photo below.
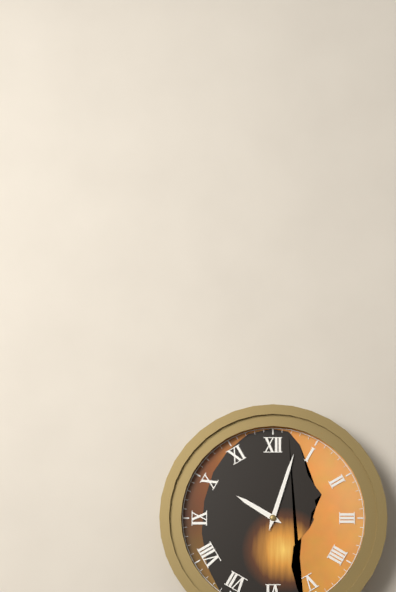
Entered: 10 h 03 min
